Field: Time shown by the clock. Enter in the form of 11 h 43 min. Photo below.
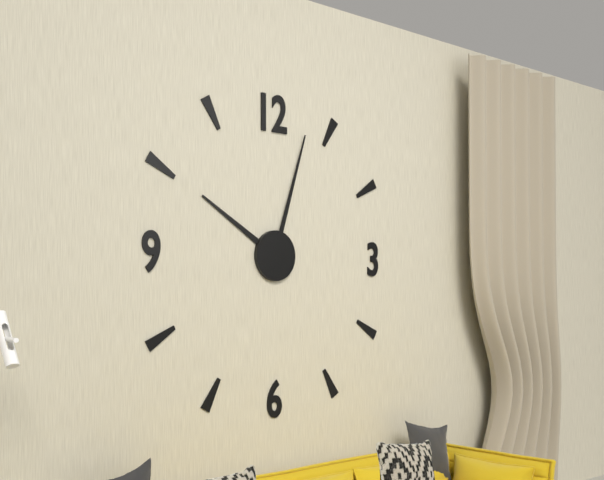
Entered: 10 h 03 min
